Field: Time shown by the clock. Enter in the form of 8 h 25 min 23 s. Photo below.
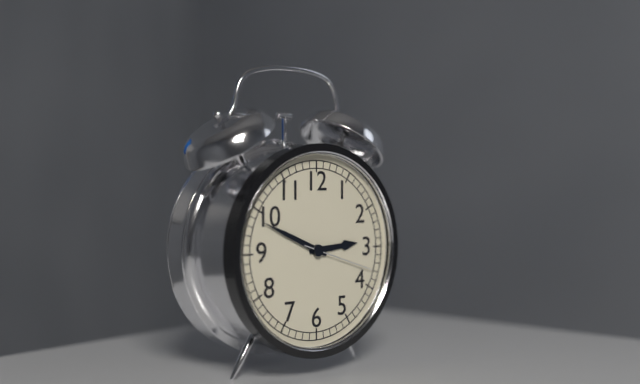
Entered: 2 h 49 min 18 s
